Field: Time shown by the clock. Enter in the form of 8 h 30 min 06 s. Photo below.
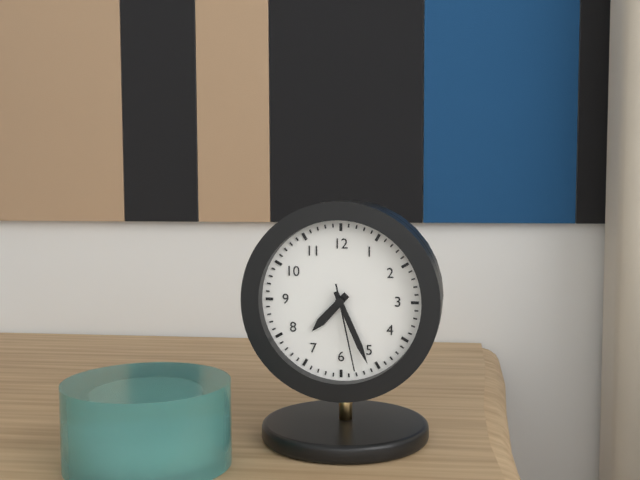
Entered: 7 h 26 min 28 s
